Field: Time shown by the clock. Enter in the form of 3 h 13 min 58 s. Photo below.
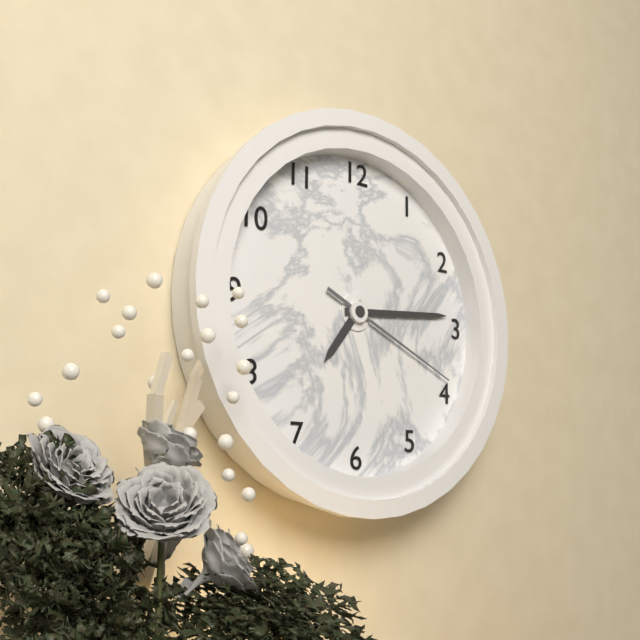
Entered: 7 h 14 min 19 s
